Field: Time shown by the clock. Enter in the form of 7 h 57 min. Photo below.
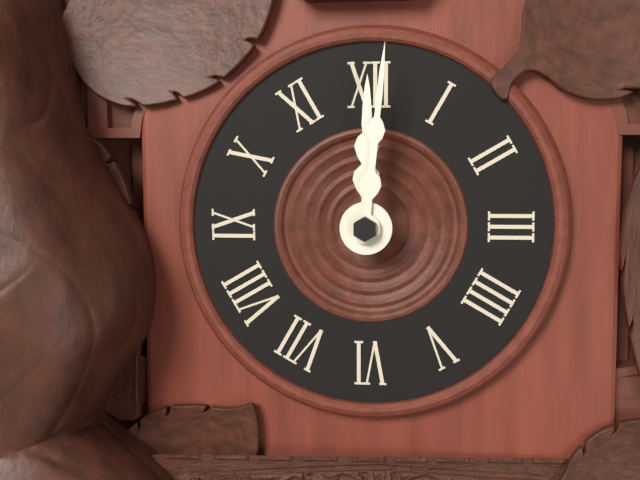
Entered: 12 h 01 min
